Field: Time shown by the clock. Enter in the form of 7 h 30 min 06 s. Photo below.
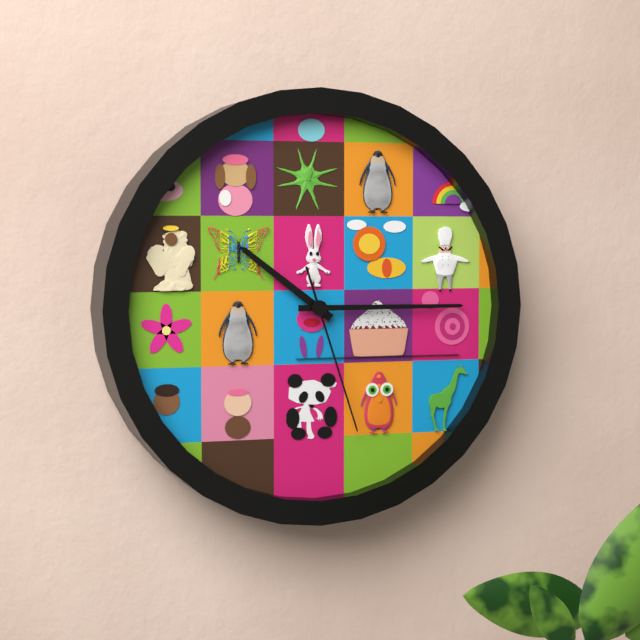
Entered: 10 h 15 min 27 s
